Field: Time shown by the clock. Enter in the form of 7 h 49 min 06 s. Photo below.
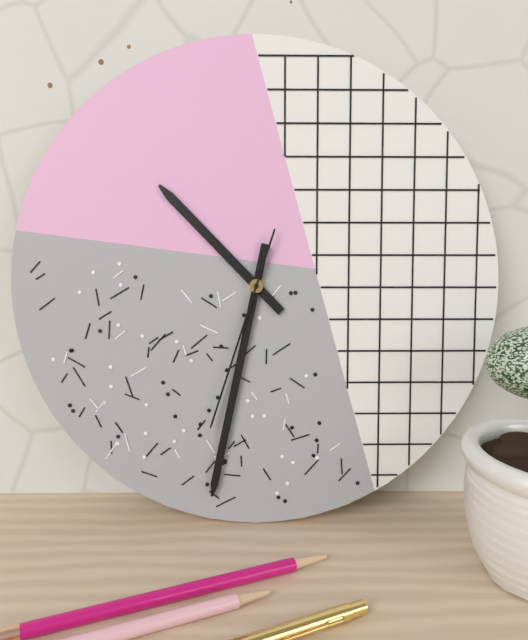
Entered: 10 h 32 min 33 s
